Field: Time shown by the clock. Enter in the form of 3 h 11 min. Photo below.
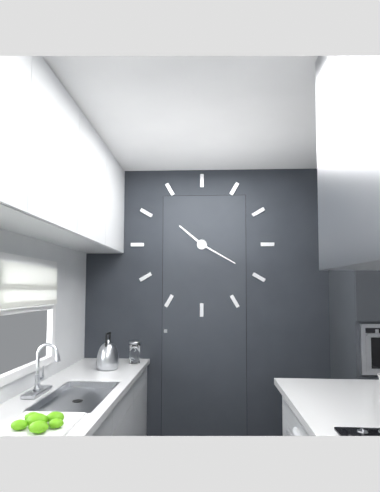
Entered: 10 h 20 min
